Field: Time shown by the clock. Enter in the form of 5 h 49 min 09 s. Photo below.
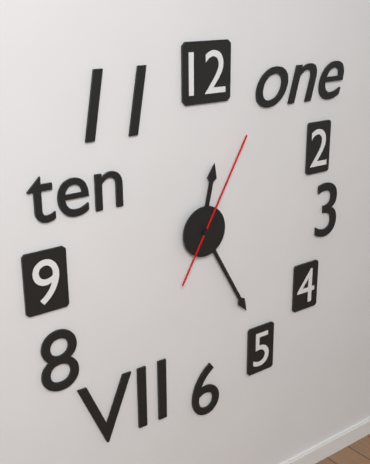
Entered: 12 h 25 min 05 s
